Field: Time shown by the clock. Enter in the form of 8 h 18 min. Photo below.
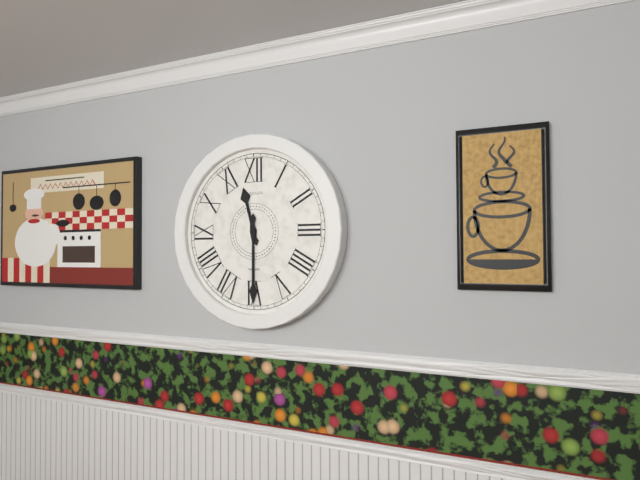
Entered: 11 h 30 min
